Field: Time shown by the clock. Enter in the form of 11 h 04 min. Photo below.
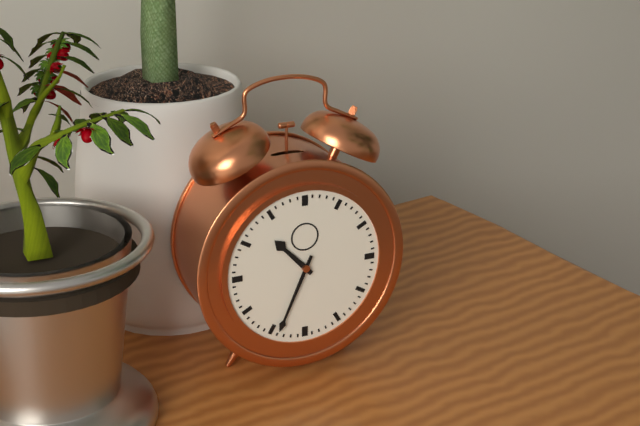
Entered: 10 h 34 min
